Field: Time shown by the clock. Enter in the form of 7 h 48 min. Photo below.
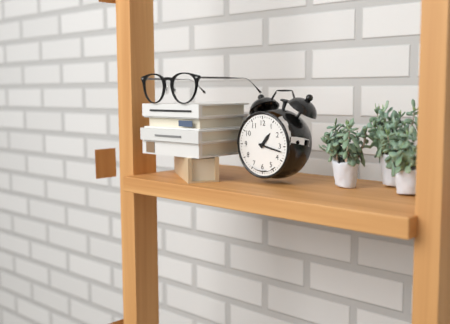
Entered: 1 h 17 min
